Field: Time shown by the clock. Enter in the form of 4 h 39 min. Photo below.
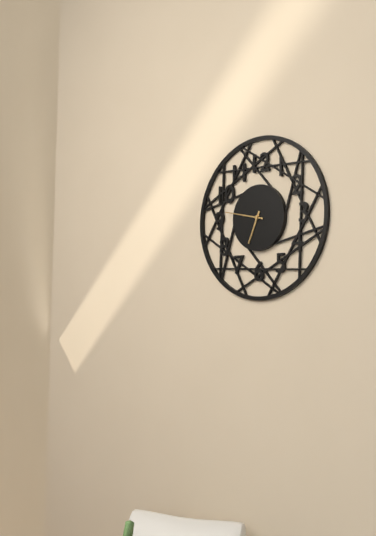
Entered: 6 h 47 min
